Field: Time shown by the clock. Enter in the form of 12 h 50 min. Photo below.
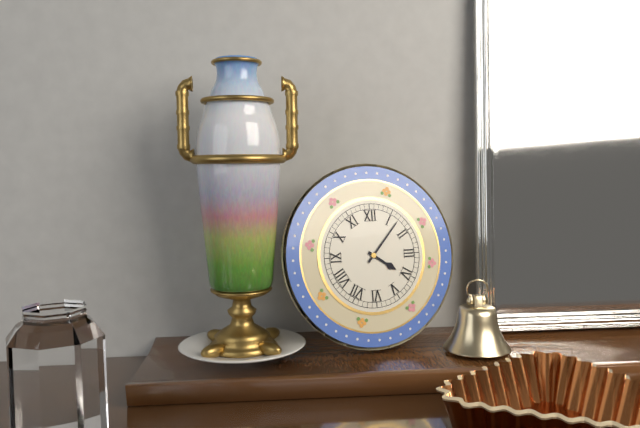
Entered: 4 h 07 min
